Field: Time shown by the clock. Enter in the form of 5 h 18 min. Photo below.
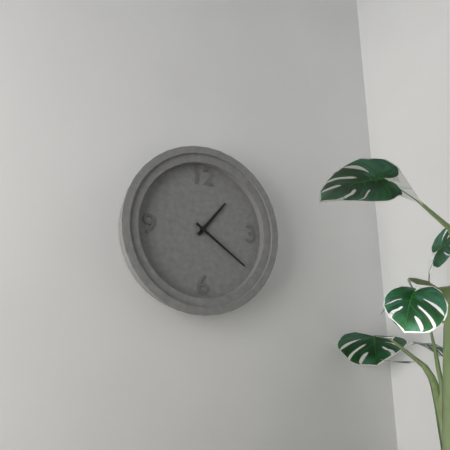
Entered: 1 h 21 min
